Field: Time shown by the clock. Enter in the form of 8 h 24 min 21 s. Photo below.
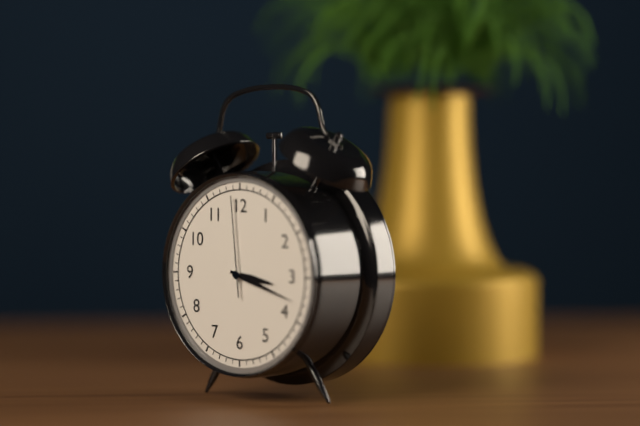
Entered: 3 h 18 min 59 s
